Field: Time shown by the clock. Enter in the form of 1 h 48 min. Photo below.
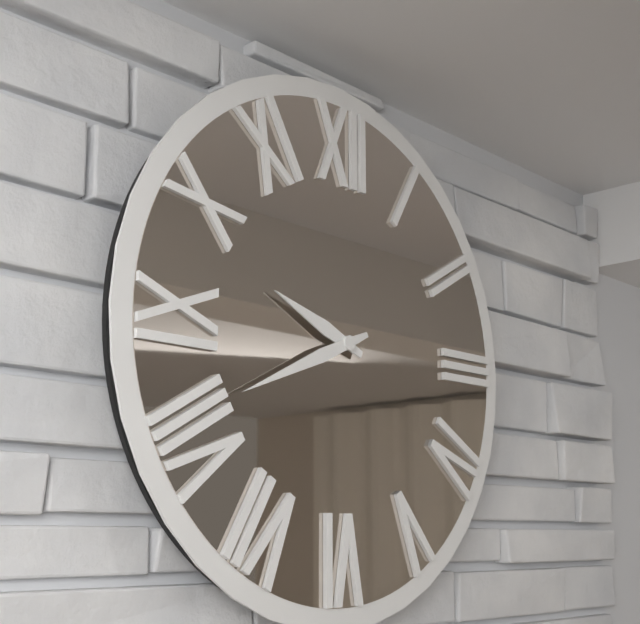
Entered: 9 h 41 min
